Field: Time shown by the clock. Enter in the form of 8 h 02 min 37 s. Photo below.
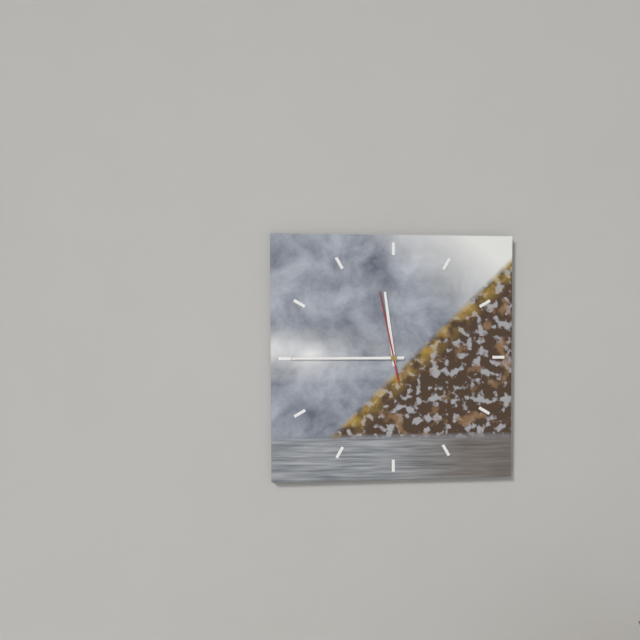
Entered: 11 h 45 min 58 s
